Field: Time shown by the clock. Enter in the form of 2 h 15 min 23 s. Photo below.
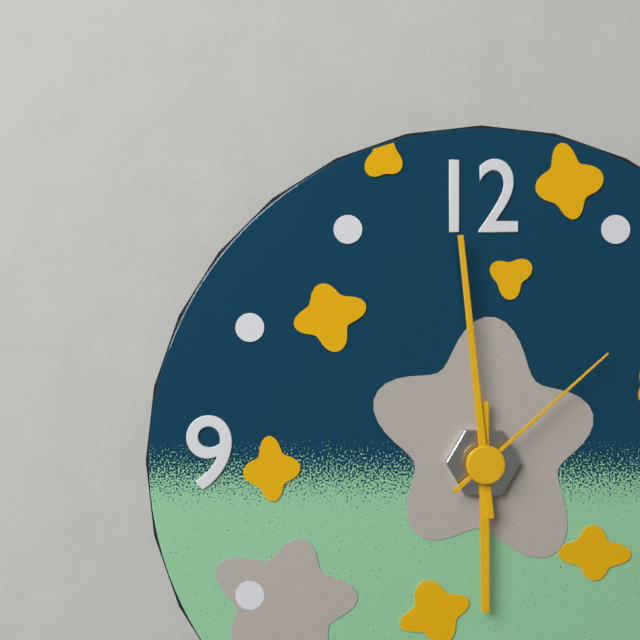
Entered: 5 h 59 min 08 s
